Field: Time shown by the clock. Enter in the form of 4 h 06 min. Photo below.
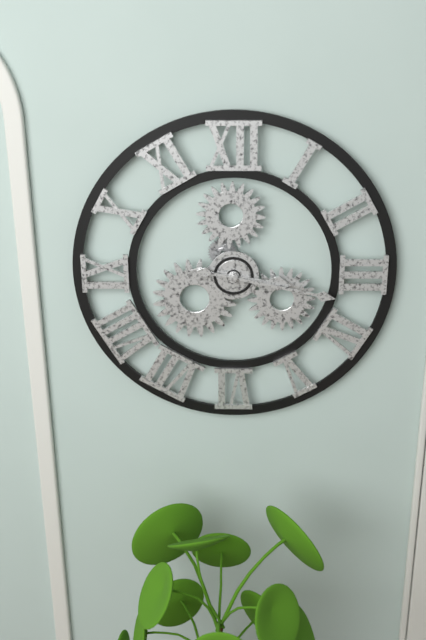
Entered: 3 h 17 min
